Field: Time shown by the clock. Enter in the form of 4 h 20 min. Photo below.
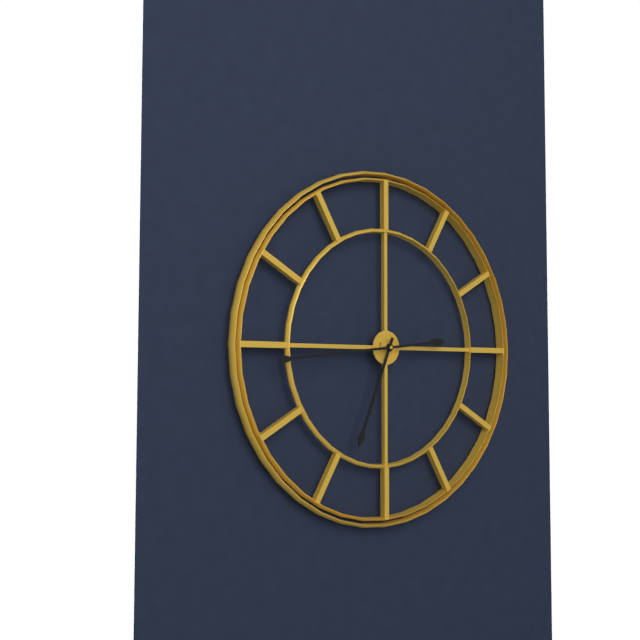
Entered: 6 h 44 min
